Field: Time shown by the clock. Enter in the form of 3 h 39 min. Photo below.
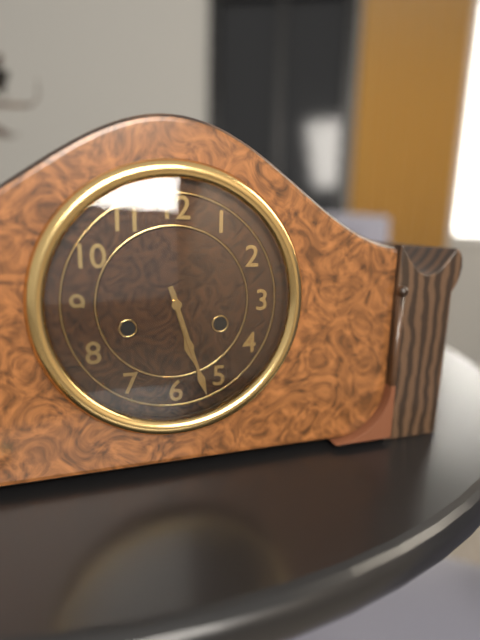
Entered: 5 h 27 min
